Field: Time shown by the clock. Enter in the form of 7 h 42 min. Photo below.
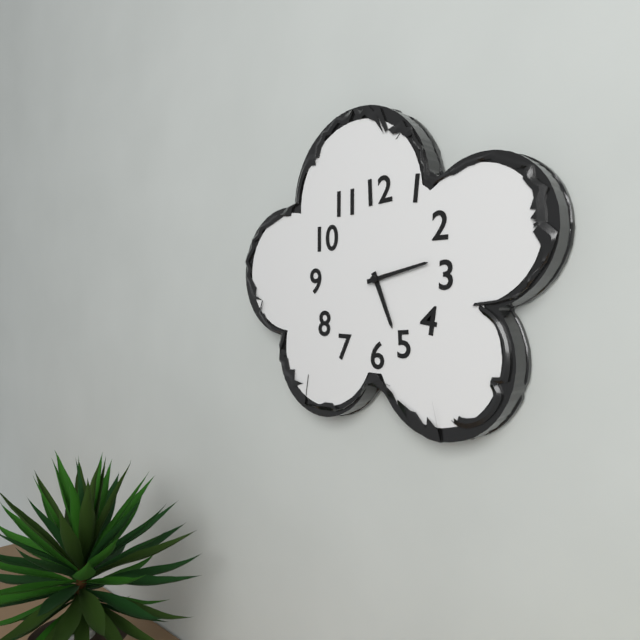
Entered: 5 h 13 min
